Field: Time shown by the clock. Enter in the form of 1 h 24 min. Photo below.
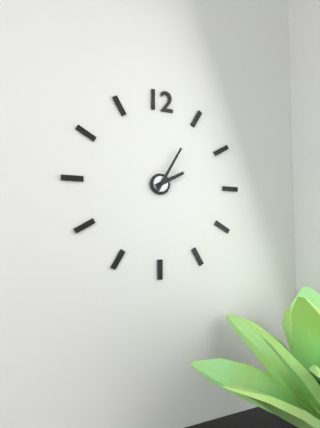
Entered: 2 h 05 min
